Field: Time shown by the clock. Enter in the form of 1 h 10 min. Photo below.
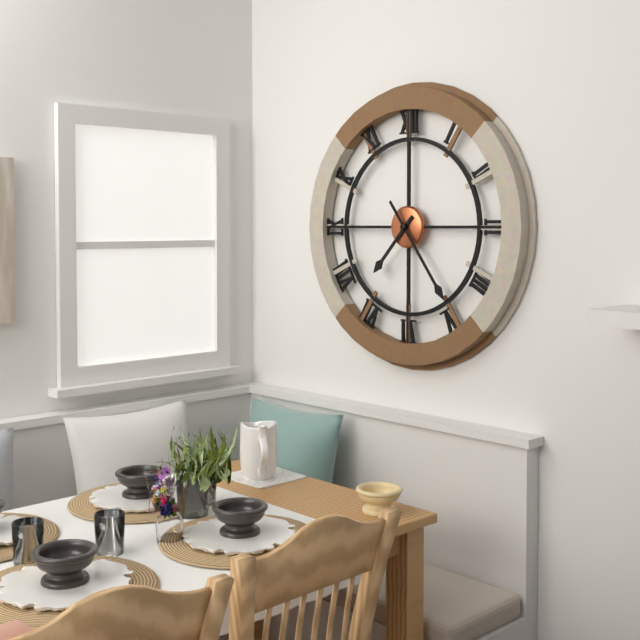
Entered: 7 h 24 min
